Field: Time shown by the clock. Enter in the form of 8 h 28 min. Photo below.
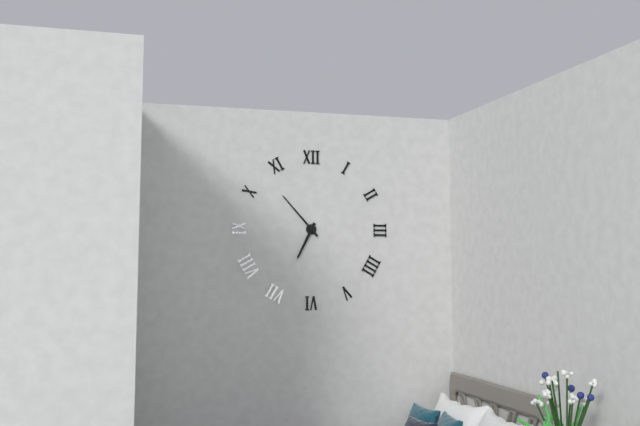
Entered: 6 h 53 min
